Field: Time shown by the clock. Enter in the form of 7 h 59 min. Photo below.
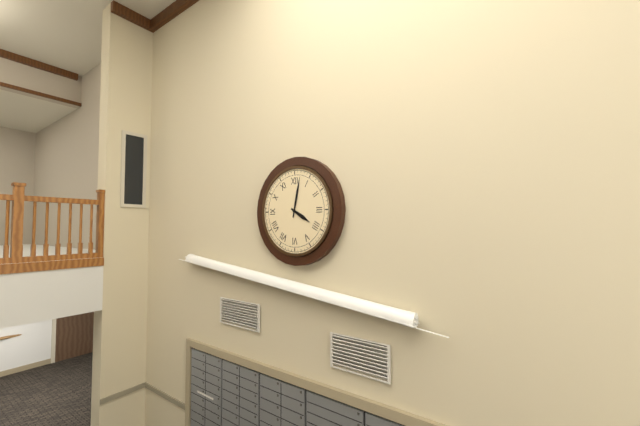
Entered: 4 h 02 min
